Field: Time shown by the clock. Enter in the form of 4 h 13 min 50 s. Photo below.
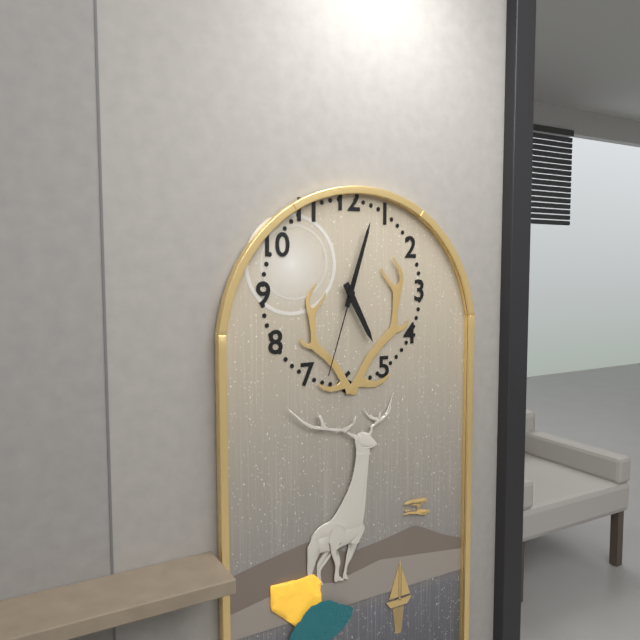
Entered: 5 h 03 min 33 s
